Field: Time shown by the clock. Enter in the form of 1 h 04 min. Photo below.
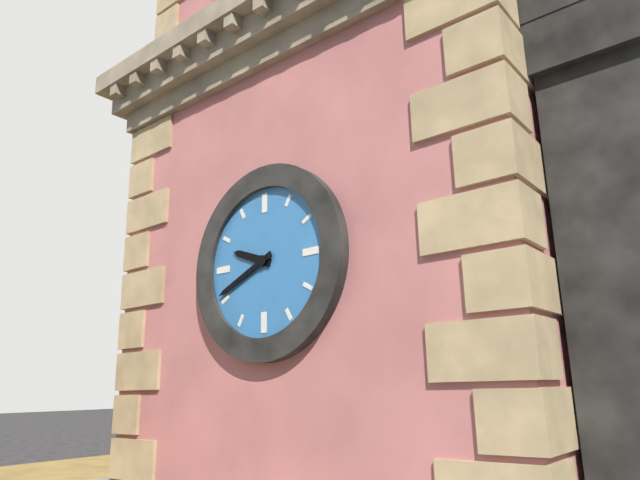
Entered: 9 h 41 min
